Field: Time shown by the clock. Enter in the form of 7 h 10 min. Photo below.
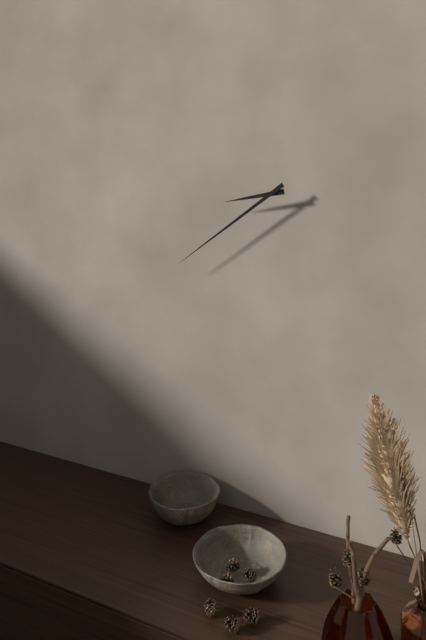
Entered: 8 h 39 min
